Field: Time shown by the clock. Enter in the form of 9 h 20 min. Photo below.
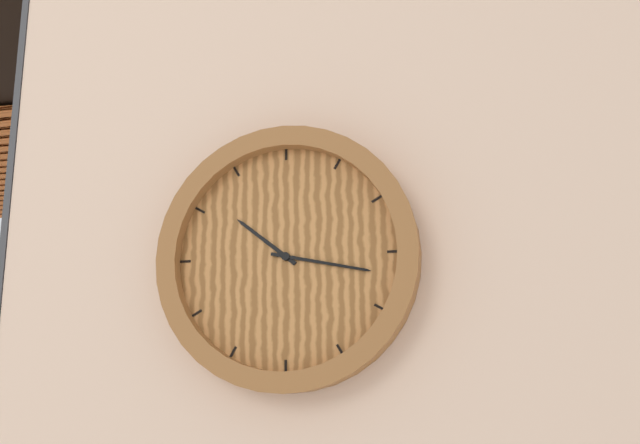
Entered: 10 h 17 min
